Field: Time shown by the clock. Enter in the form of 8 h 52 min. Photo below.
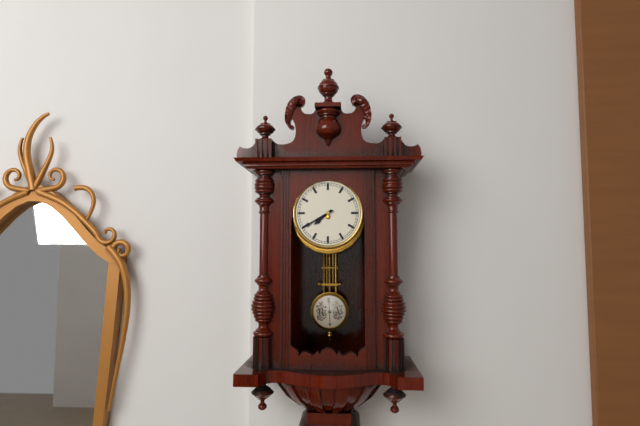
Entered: 7 h 40 min
